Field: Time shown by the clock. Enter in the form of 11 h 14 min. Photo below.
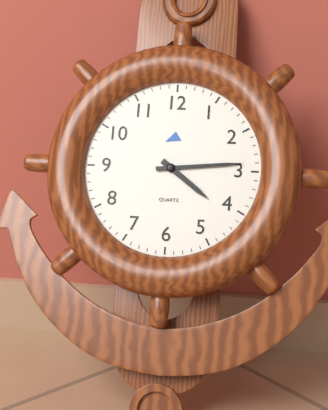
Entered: 4 h 14 min
